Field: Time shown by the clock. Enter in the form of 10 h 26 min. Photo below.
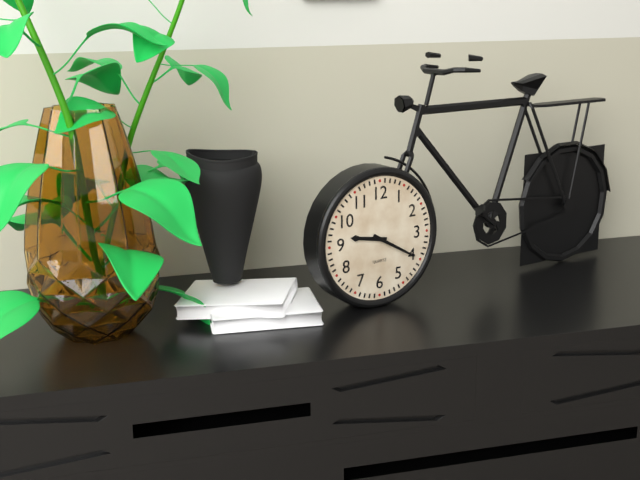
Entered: 9 h 20 min
